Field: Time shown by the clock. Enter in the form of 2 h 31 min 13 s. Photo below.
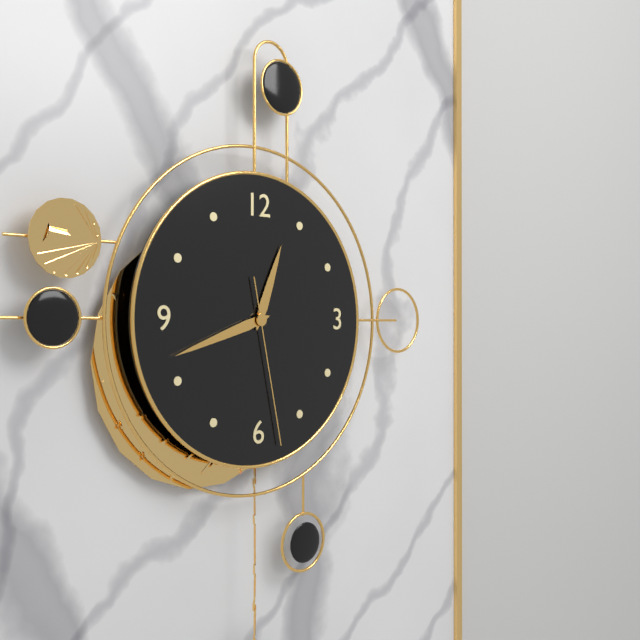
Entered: 12 h 42 min 28 s
